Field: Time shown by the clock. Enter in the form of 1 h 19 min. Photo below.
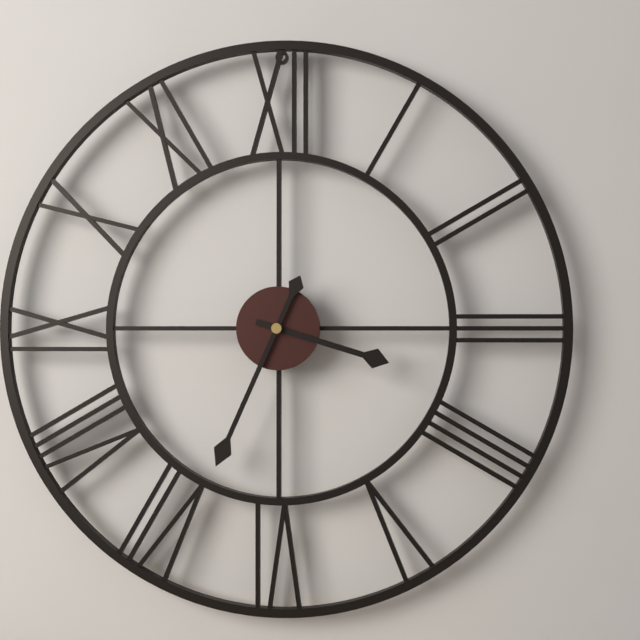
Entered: 3 h 34 min
